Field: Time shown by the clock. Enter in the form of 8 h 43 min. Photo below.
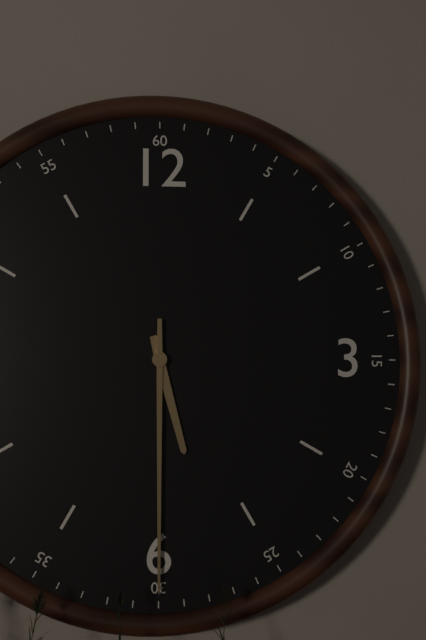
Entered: 5 h 30 min
